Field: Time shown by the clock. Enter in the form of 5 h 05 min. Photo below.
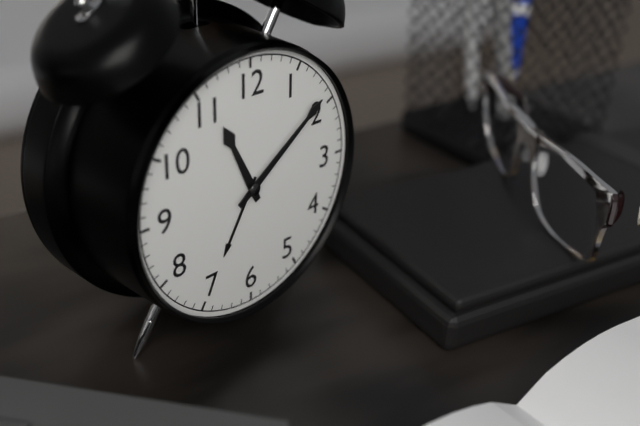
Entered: 11 h 09 min
